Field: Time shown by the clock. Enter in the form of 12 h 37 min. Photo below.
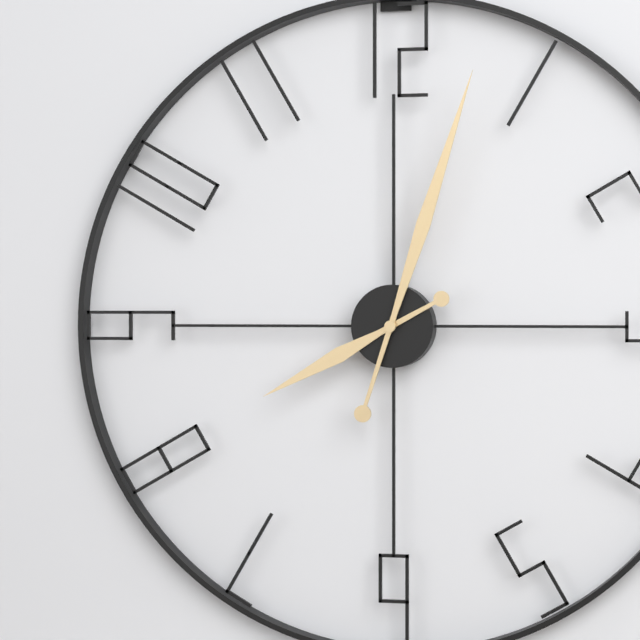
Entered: 8 h 03 min
